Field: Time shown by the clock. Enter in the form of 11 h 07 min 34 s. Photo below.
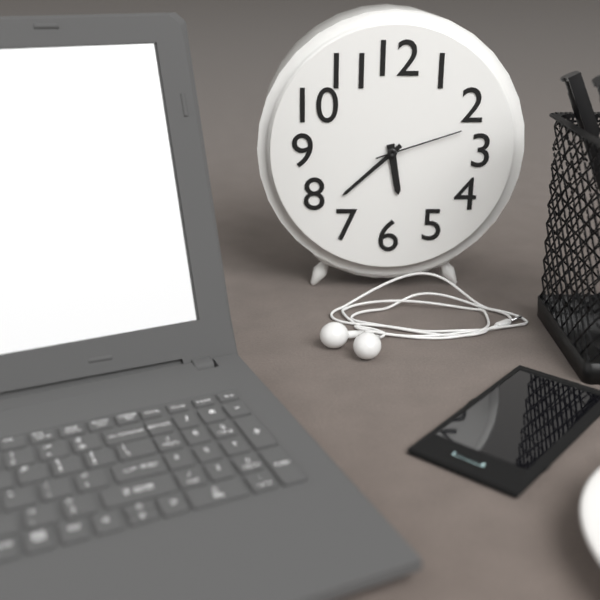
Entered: 5 h 38 min 12 s
